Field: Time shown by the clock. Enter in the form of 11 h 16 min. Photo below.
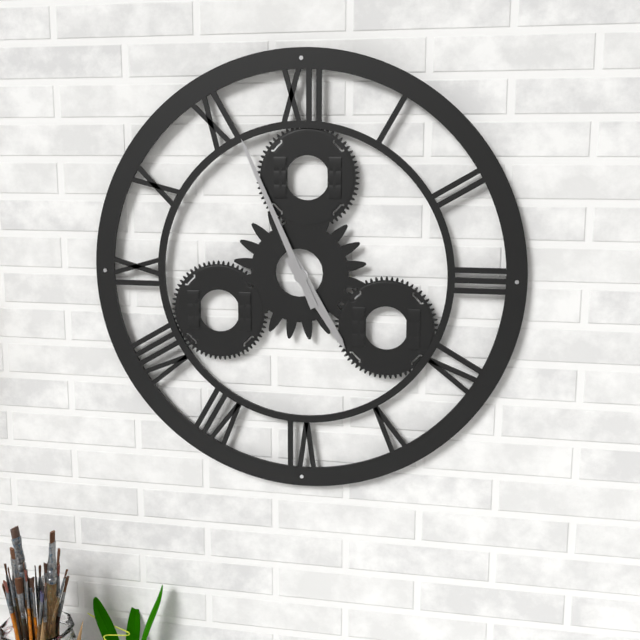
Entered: 4 h 56 min
